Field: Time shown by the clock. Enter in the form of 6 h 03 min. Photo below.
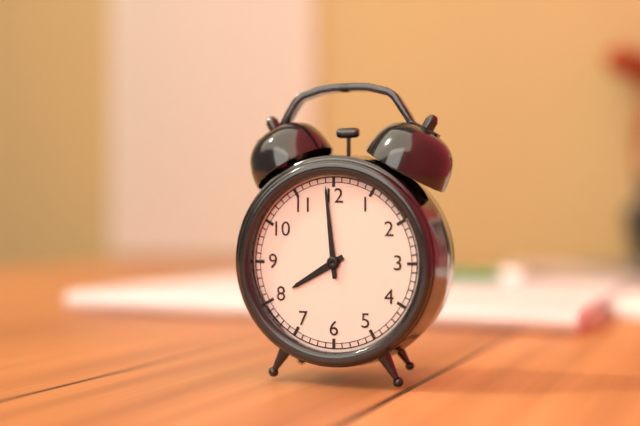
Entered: 7 h 59 min
